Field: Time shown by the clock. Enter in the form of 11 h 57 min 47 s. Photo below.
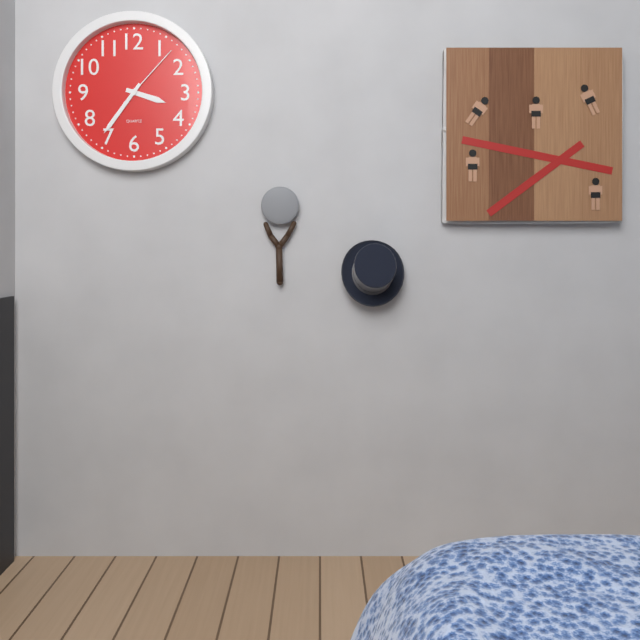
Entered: 3 h 36 min 07 s
